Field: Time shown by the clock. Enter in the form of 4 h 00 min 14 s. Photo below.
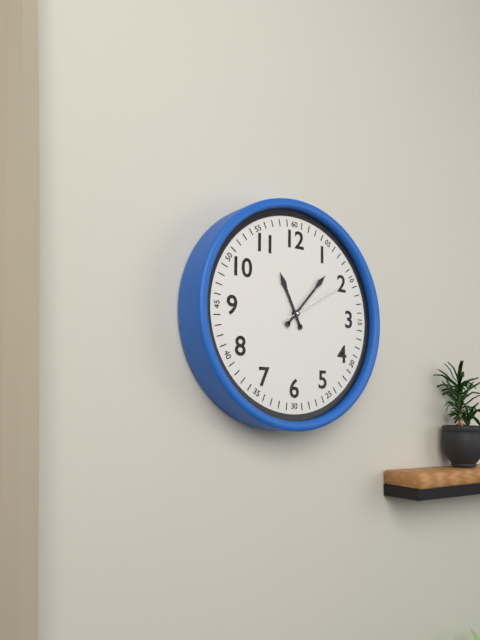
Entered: 11 h 07 min 10 s
